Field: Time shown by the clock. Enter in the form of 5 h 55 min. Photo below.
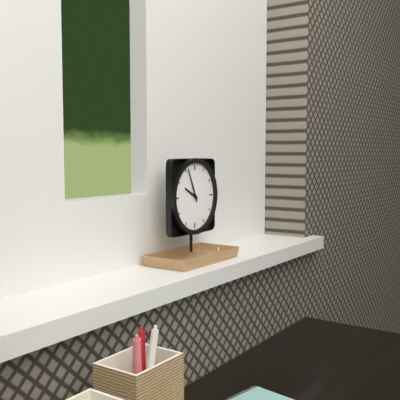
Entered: 9 h 56 min
